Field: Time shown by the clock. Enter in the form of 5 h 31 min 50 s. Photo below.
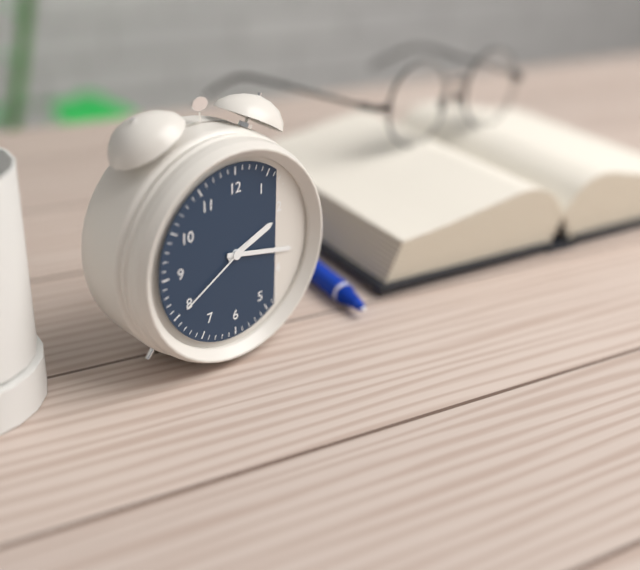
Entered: 2 h 17 min 40 s
